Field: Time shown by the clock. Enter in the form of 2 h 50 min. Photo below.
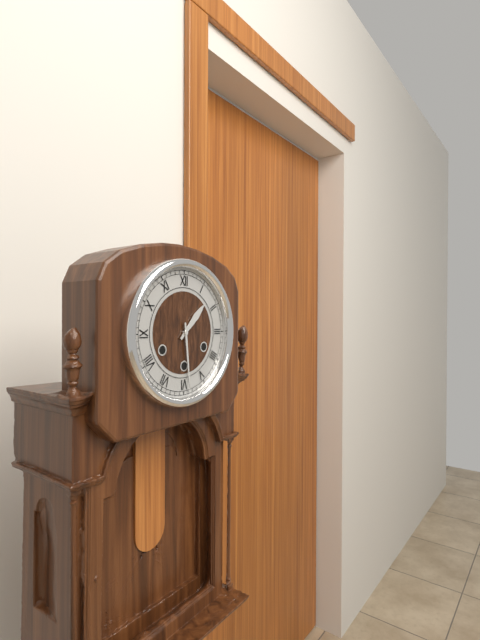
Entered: 1 h 29 min
